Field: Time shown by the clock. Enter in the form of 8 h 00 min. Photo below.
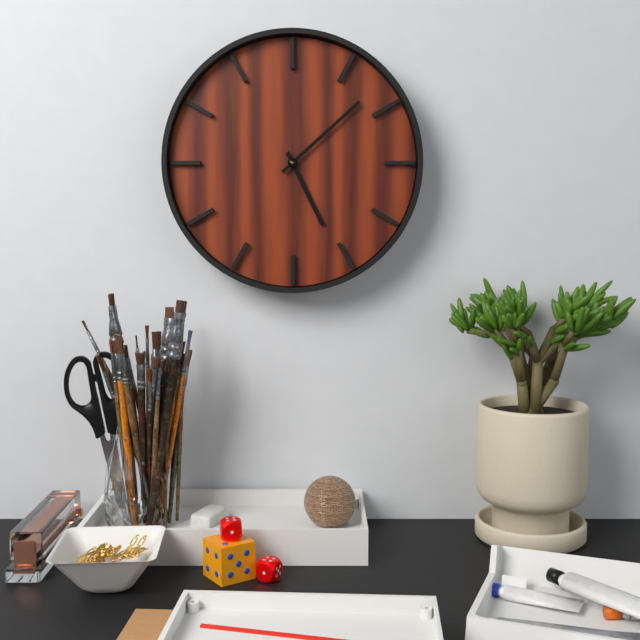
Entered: 5 h 08 min
